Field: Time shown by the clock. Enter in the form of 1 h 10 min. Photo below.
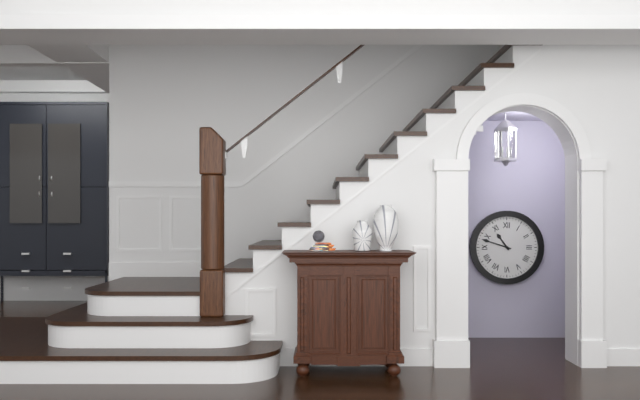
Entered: 10 h 48 min
